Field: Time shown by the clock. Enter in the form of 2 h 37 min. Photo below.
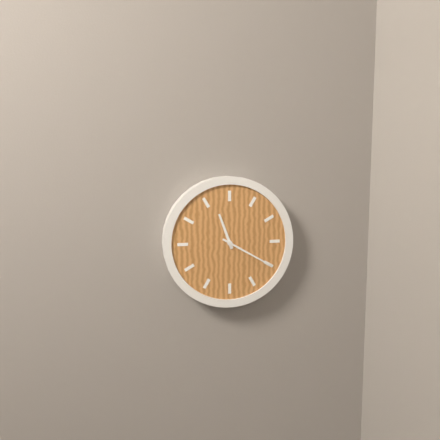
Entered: 11 h 20 min
